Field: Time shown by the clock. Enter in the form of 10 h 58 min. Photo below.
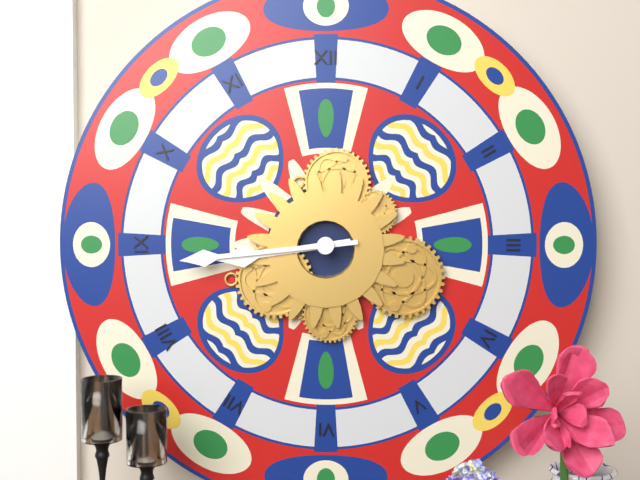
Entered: 8 h 44 min
